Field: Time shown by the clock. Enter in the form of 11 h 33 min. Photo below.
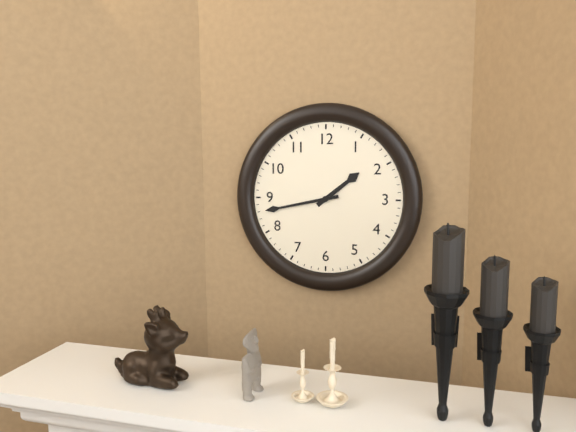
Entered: 1 h 43 min
